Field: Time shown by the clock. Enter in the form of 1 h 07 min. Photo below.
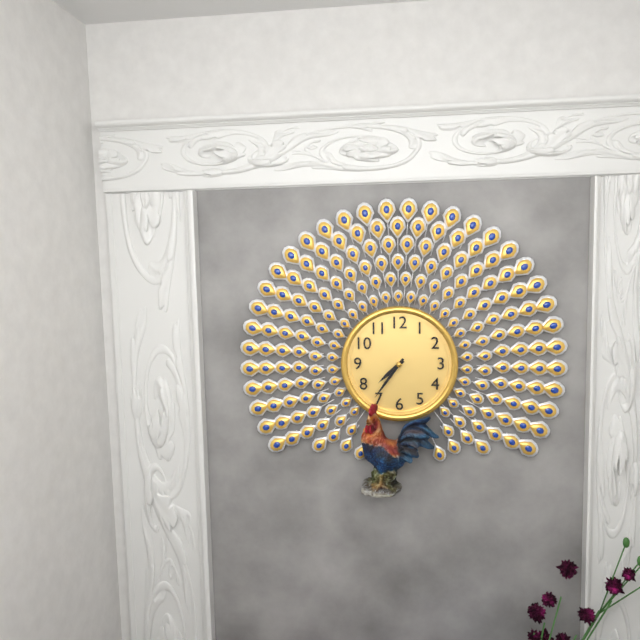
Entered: 7 h 36 min
